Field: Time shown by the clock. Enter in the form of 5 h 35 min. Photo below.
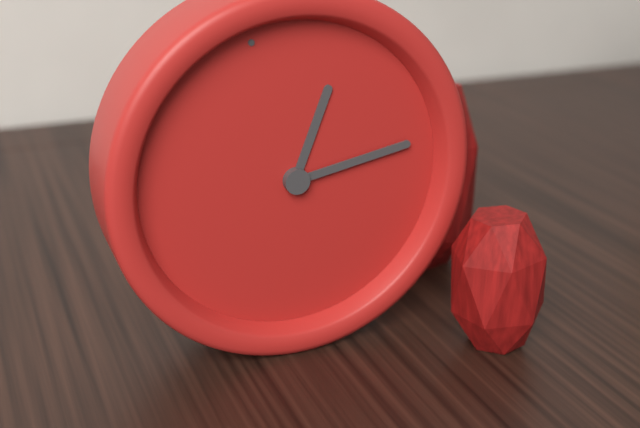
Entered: 1 h 16 min
